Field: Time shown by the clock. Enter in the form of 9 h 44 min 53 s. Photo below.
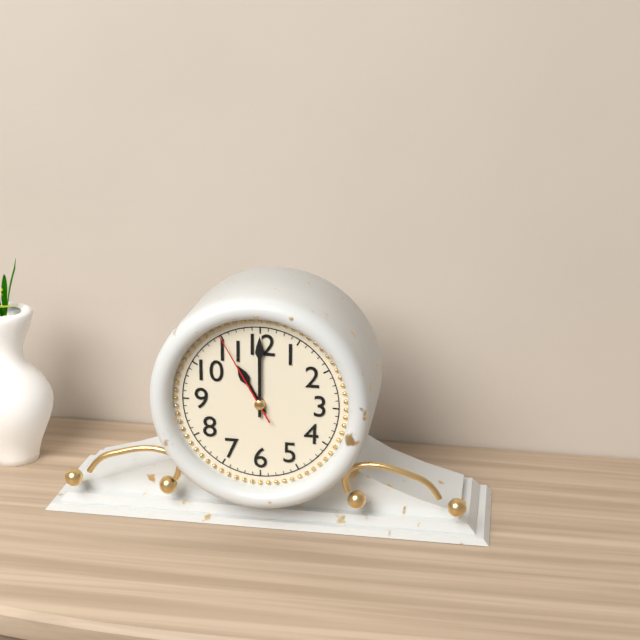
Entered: 11 h 00 min 55 s
